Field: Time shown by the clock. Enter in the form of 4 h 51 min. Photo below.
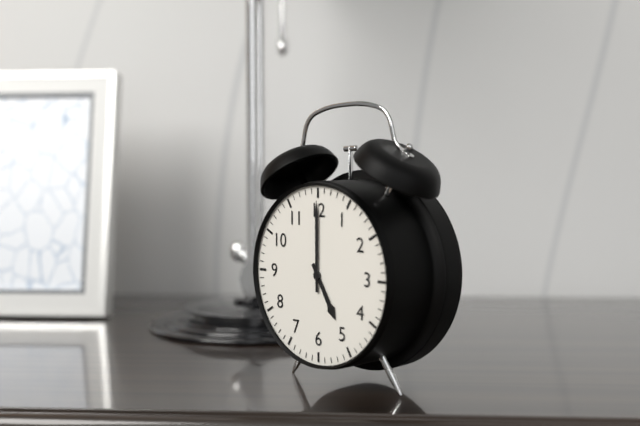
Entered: 5 h 00 min
